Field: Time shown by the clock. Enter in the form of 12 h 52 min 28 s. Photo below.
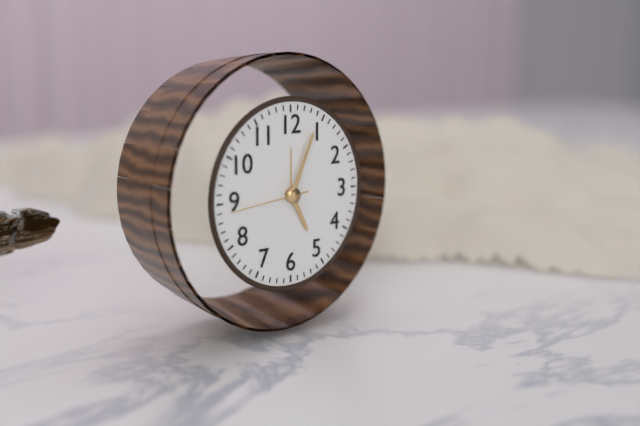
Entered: 5 h 04 min 44 s
